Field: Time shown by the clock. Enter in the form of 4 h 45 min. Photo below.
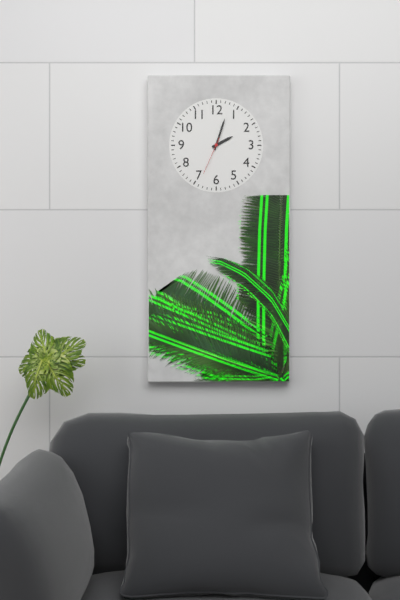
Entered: 2 h 03 min
